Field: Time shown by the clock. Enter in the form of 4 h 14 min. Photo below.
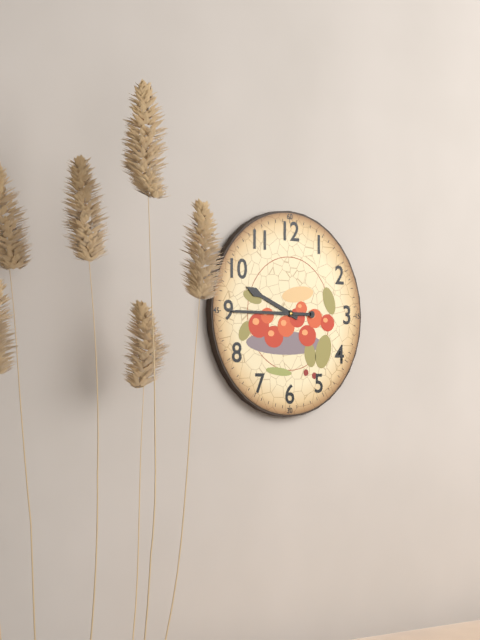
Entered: 9 h 45 min
